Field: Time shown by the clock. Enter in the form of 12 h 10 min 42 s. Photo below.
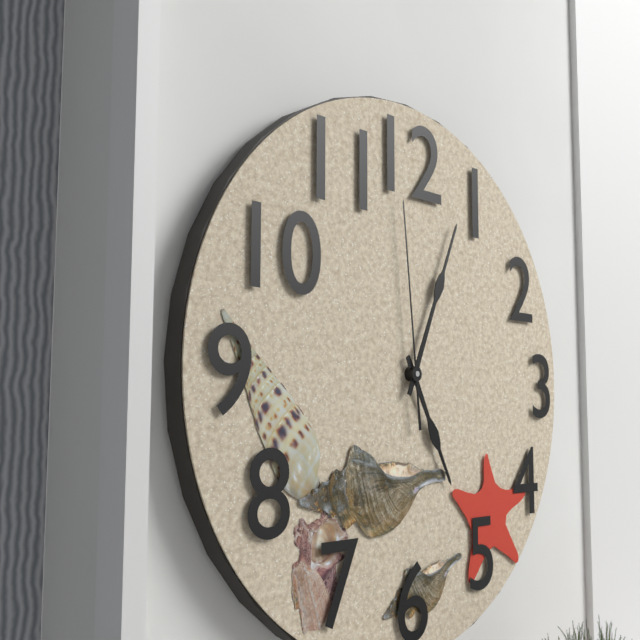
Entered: 5 h 04 min 59 s
